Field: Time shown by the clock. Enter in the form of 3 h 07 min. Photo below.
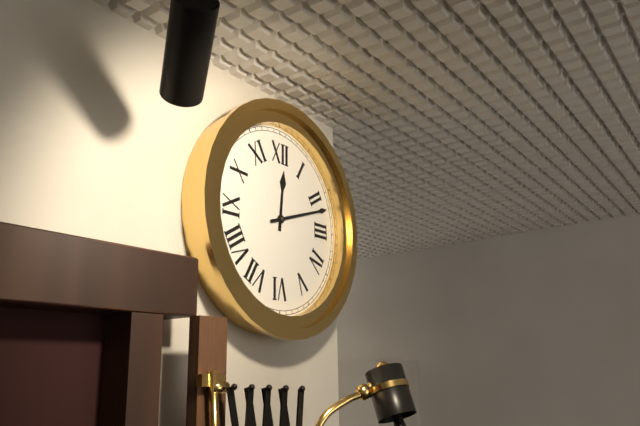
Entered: 12 h 12 min
